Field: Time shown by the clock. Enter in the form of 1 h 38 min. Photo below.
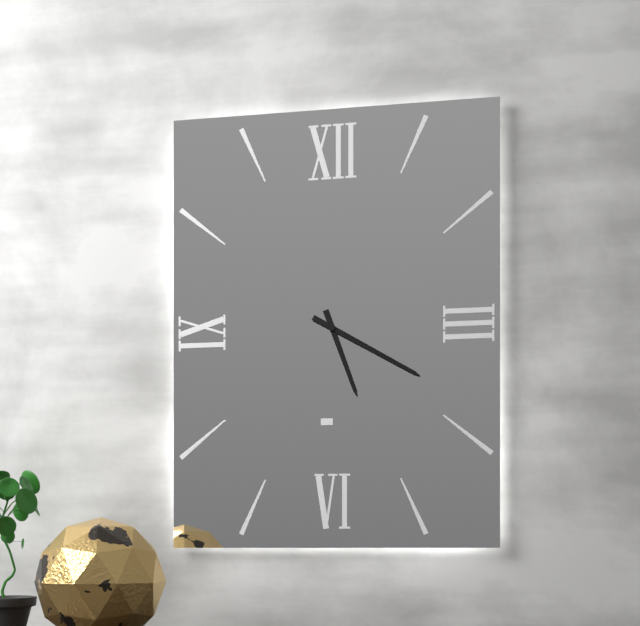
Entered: 5 h 20 min
